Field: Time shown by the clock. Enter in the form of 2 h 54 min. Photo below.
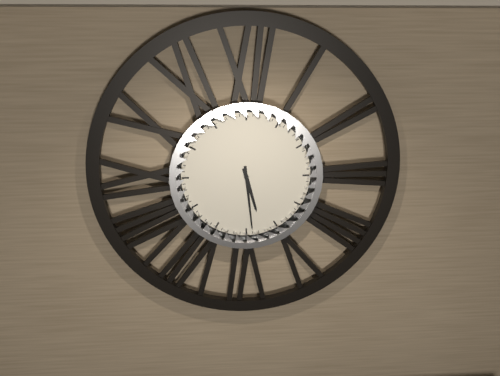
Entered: 5 h 29 min
